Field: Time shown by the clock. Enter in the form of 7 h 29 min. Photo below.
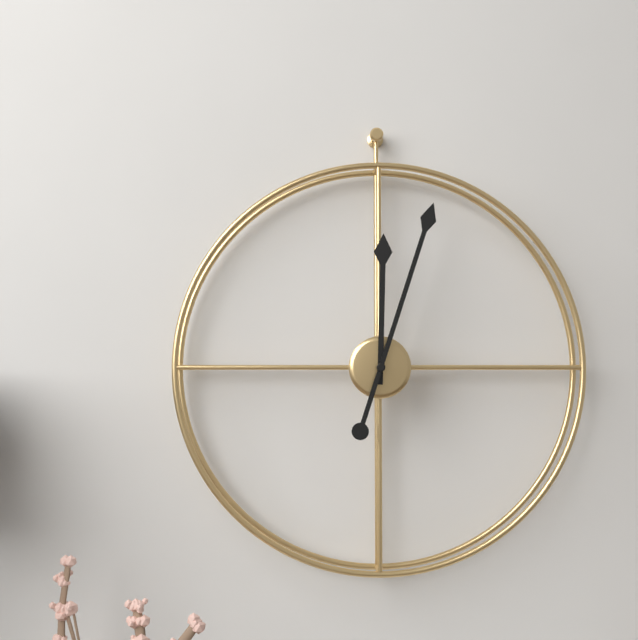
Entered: 12 h 03 min
